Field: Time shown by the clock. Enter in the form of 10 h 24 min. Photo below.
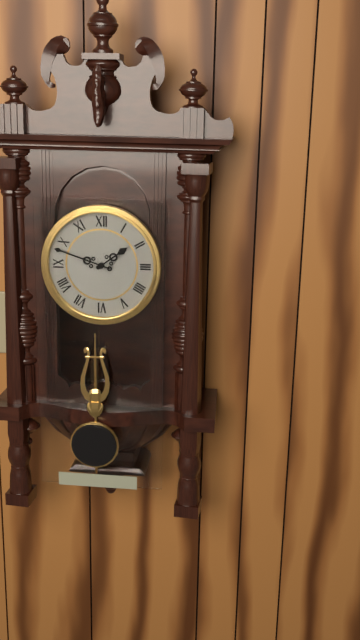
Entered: 1 h 48 min
